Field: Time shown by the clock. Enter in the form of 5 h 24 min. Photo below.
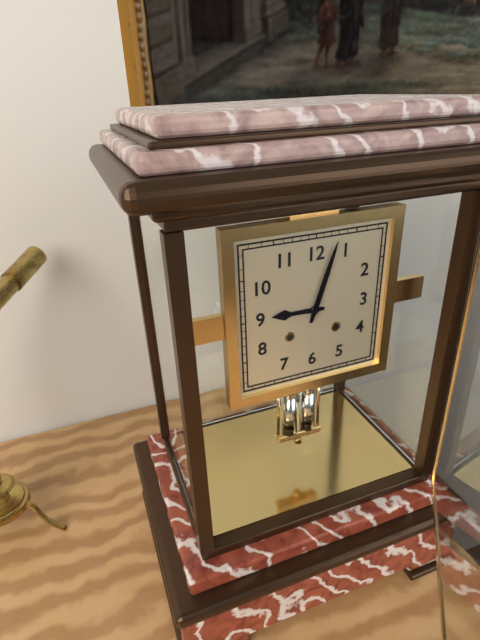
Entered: 9 h 03 min
